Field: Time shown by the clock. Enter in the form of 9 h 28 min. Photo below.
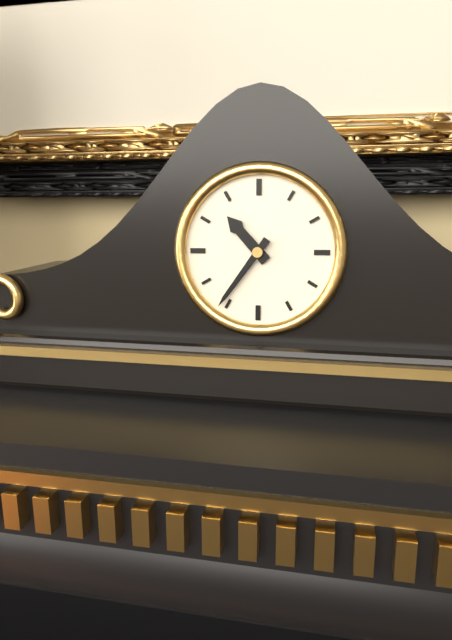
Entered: 10 h 36 min
